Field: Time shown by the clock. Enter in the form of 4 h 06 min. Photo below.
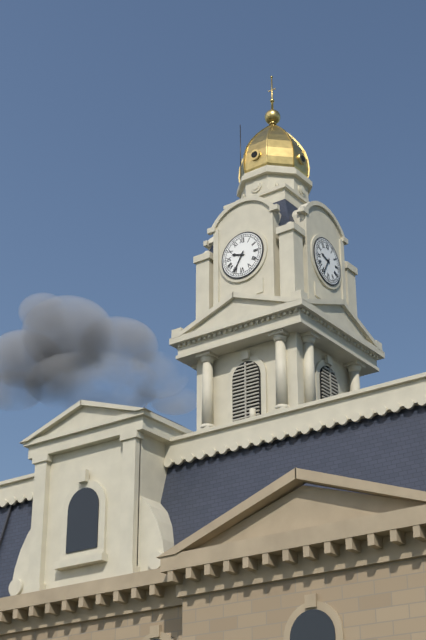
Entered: 9 h 35 min
